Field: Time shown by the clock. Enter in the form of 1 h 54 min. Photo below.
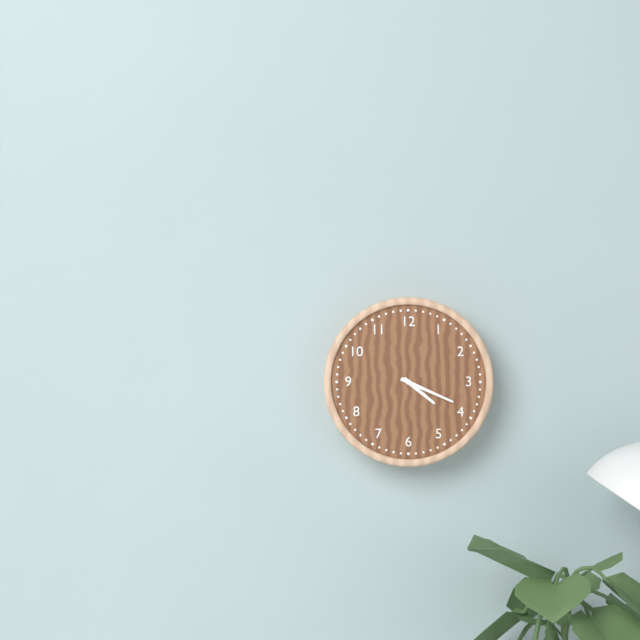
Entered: 4 h 19 min
